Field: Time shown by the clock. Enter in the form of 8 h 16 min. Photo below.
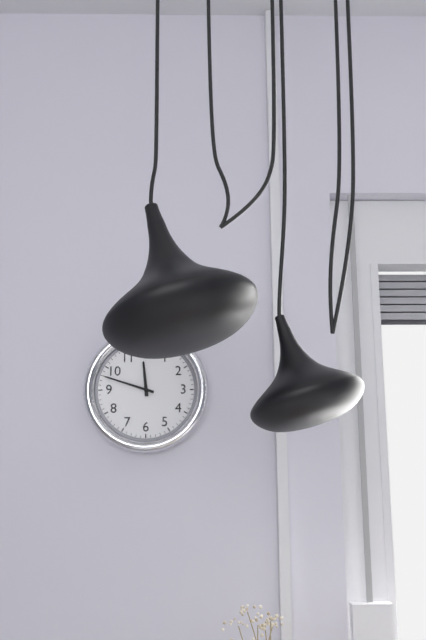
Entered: 11 h 48 min
